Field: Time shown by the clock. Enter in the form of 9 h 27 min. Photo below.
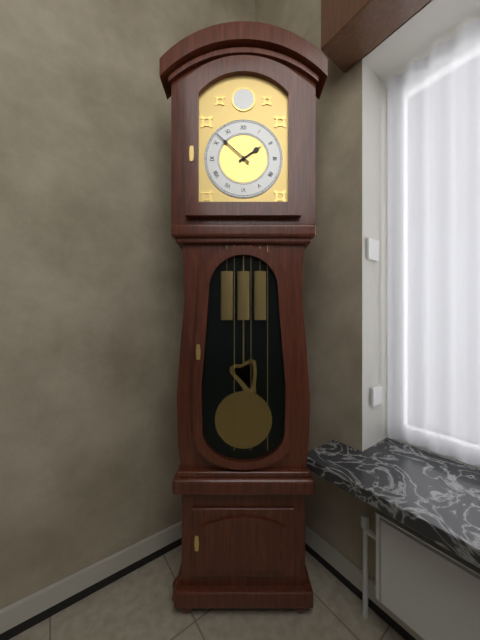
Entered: 1 h 52 min
